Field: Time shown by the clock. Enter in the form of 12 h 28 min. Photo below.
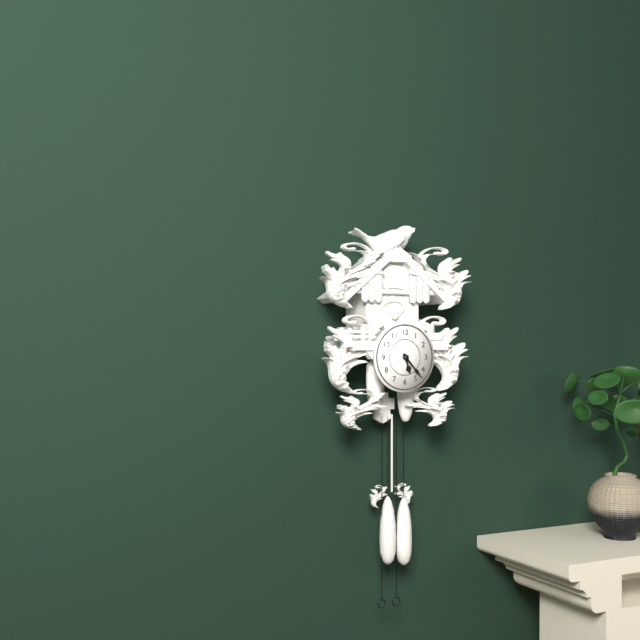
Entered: 5 h 23 min
